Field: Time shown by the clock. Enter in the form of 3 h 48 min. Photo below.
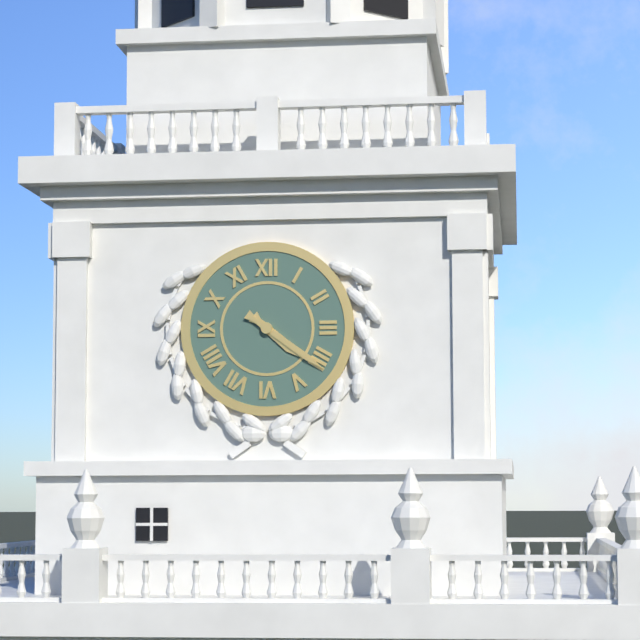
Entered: 4 h 21 min
